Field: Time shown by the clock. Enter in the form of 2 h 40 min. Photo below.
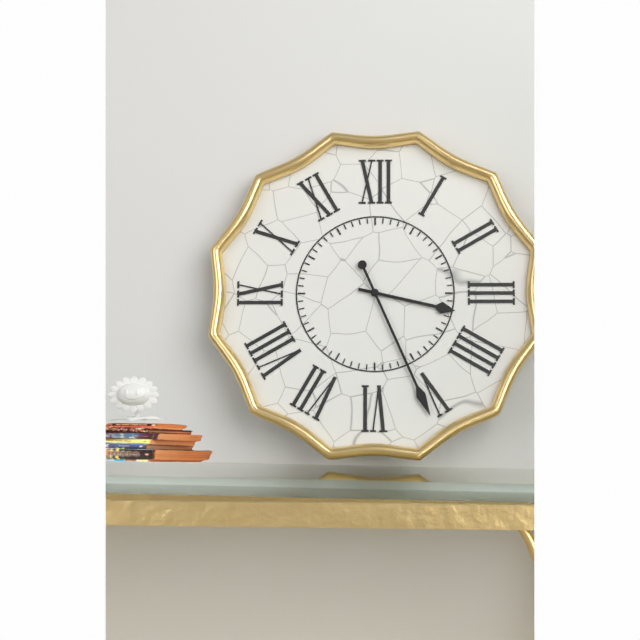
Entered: 3 h 26 min
